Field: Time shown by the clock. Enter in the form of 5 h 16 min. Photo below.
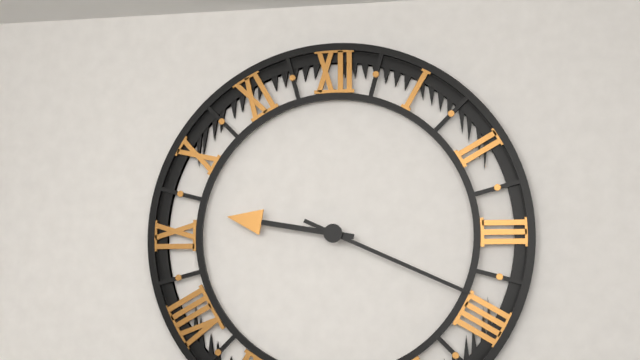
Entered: 9 h 19 min
